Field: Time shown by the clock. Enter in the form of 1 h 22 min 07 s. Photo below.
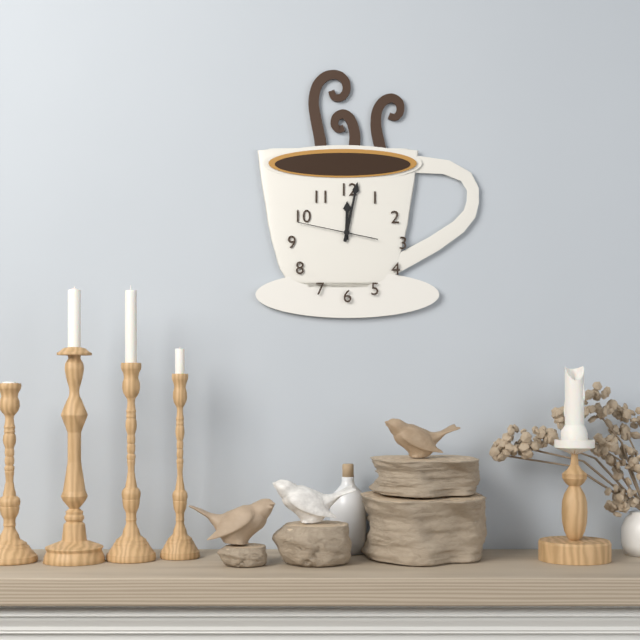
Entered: 12 h 02 min 47 s
